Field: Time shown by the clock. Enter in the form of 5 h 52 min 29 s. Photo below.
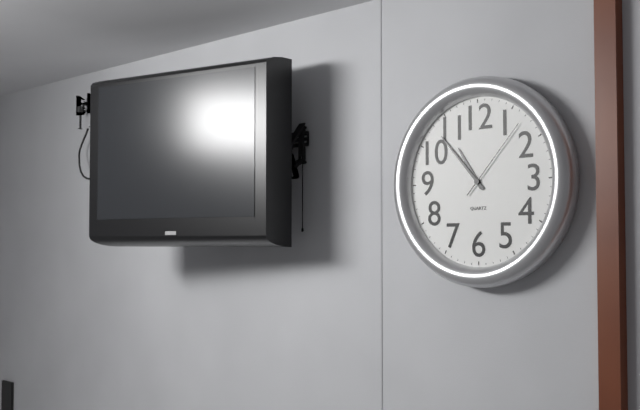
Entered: 10 h 53 min 07 s
